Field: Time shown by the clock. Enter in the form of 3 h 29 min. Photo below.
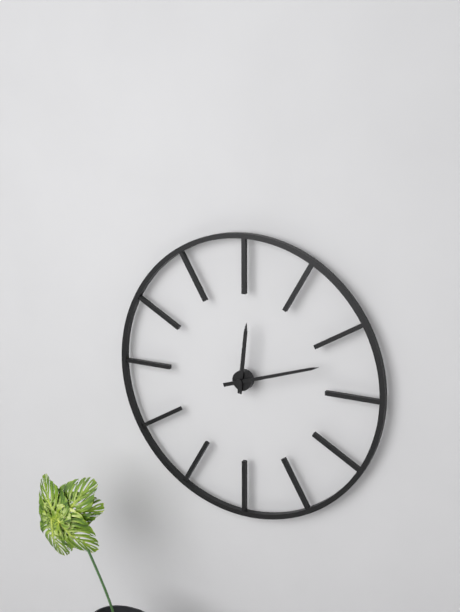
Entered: 12 h 12 min
